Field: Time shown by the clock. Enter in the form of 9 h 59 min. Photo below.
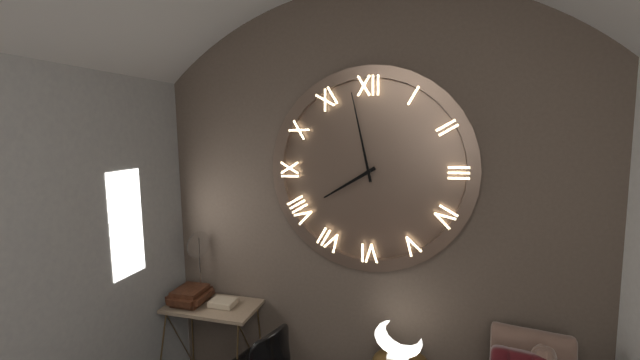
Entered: 7 h 58 min
